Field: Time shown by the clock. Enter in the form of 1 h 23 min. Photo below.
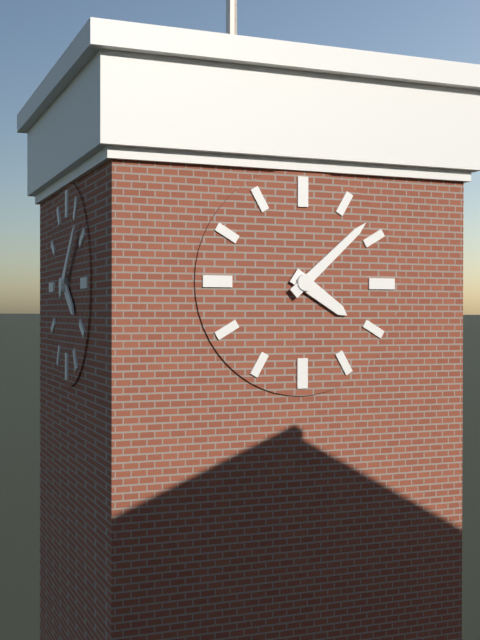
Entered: 4 h 08 min
